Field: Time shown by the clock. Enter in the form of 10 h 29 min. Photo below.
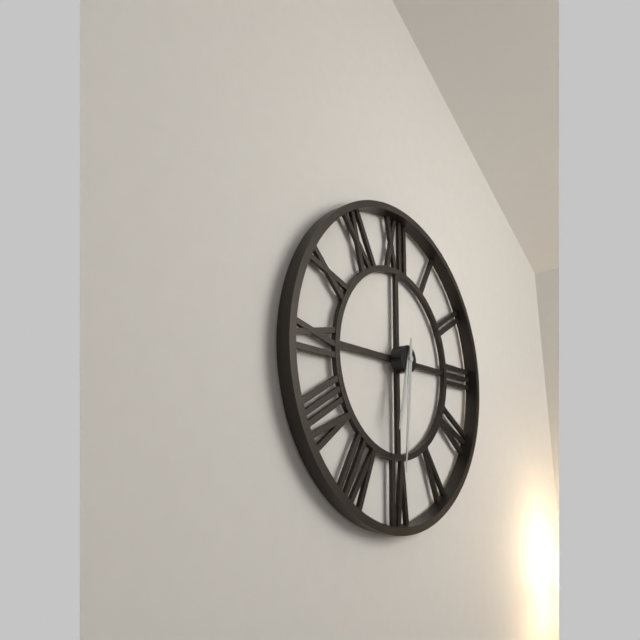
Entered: 6 h 31 min
